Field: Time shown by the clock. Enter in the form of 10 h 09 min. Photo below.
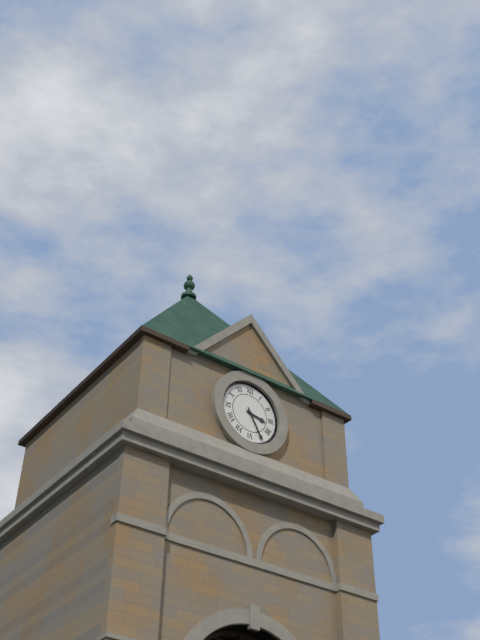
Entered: 3 h 25 min
